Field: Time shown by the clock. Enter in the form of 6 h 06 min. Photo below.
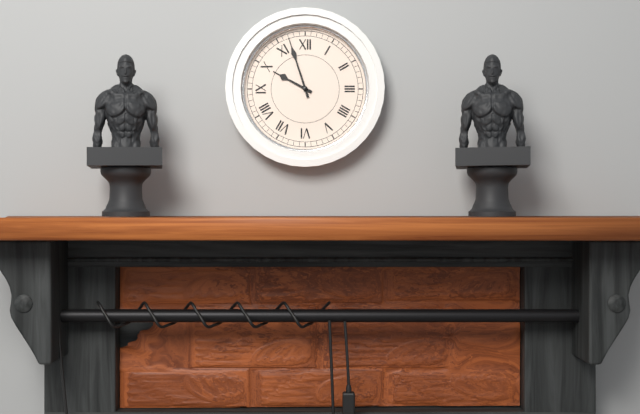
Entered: 9 h 57 min
